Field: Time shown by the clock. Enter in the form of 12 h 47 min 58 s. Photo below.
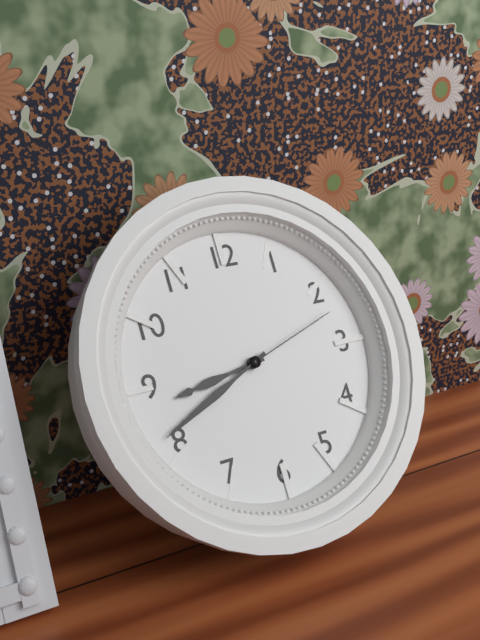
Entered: 8 h 41 min 12 s
